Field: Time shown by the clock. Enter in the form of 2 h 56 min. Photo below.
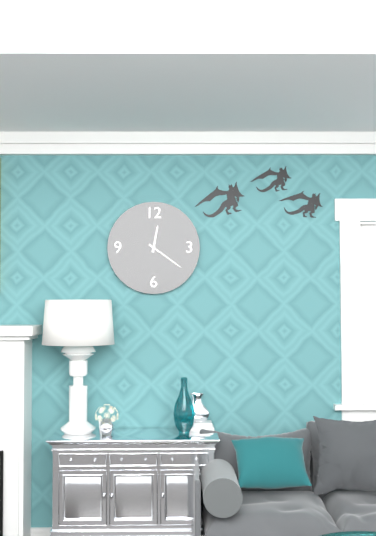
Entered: 12 h 21 min
